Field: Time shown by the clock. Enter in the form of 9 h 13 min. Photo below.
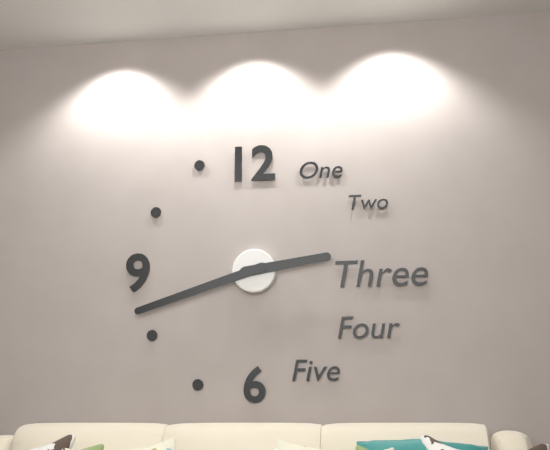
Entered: 2 h 42 min
